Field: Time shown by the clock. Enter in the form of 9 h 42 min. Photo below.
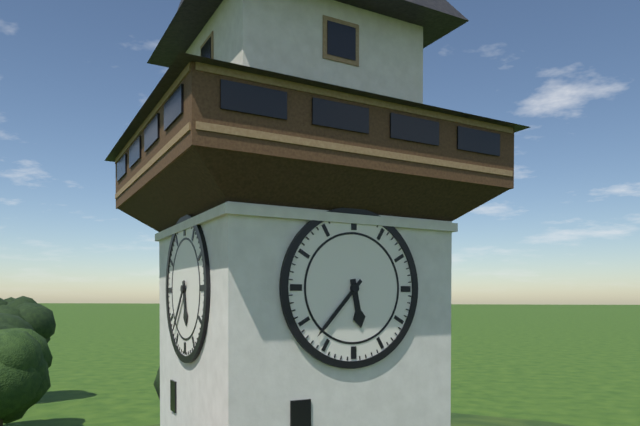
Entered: 5 h 37 min
